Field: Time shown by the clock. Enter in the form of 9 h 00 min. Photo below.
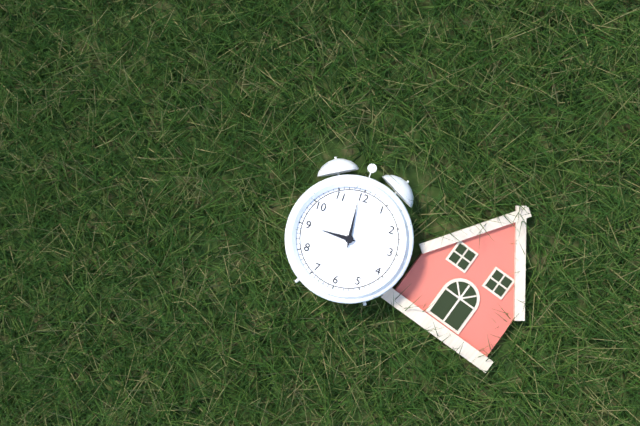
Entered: 8 h 59 min
